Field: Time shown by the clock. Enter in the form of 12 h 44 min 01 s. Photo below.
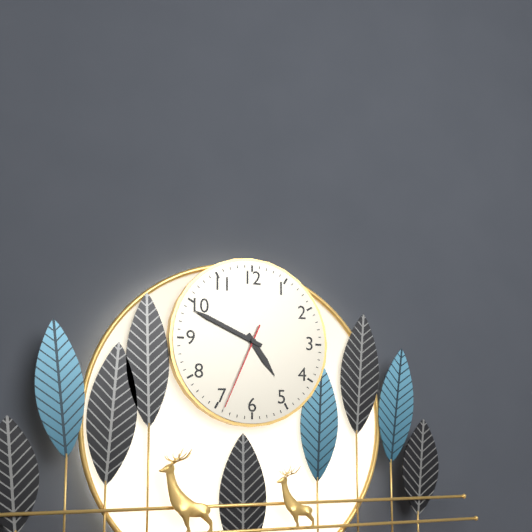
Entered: 4 h 49 min 34 s
